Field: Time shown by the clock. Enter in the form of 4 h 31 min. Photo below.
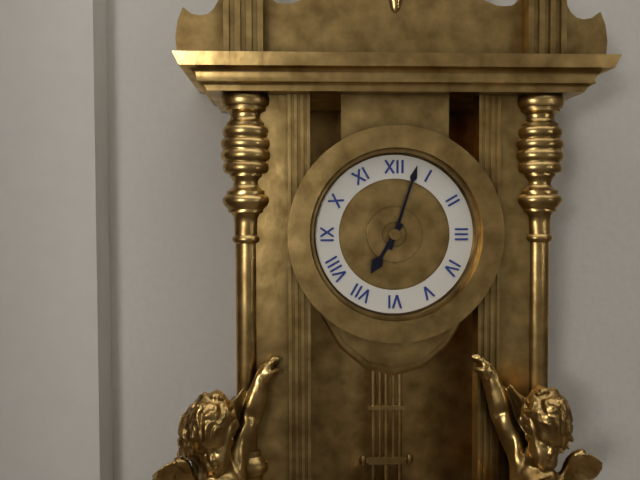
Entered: 7 h 03 min
